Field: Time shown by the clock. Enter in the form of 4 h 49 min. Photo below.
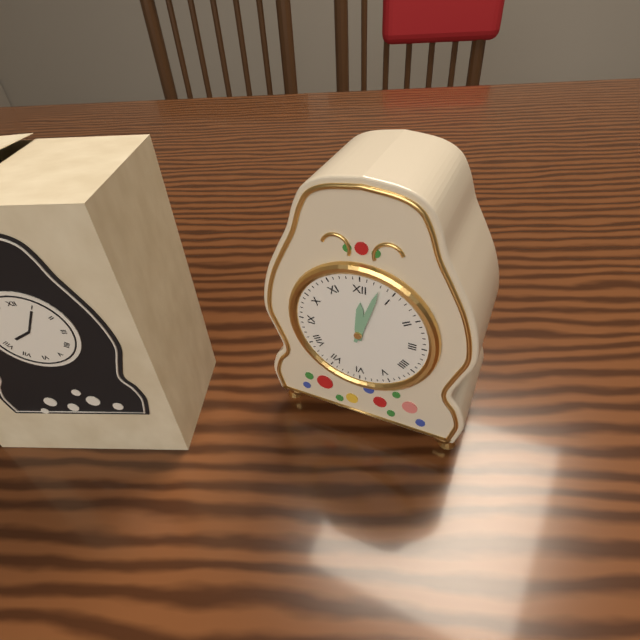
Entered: 12 h 03 min
